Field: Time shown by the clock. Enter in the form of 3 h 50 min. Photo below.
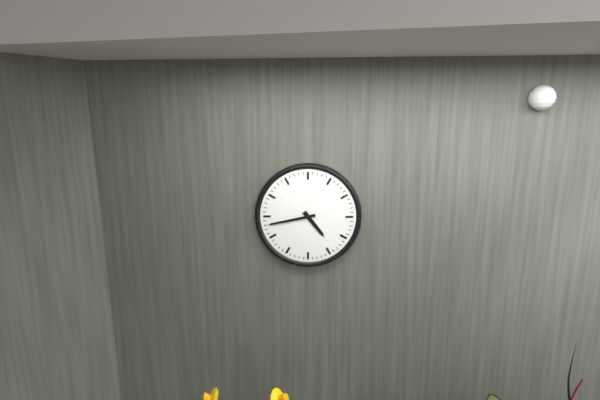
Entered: 4 h 43 min
